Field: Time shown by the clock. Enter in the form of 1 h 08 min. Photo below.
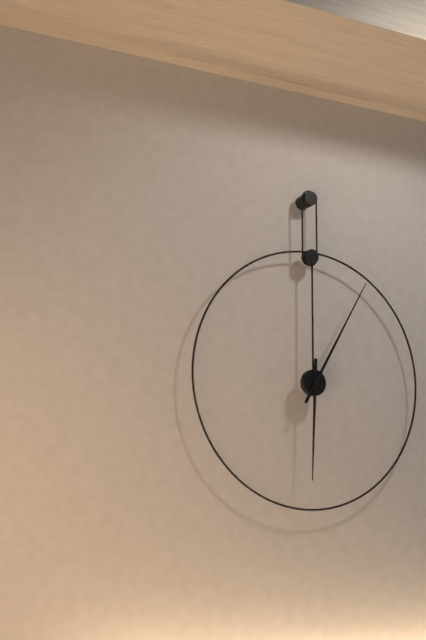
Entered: 6 h 05 min
